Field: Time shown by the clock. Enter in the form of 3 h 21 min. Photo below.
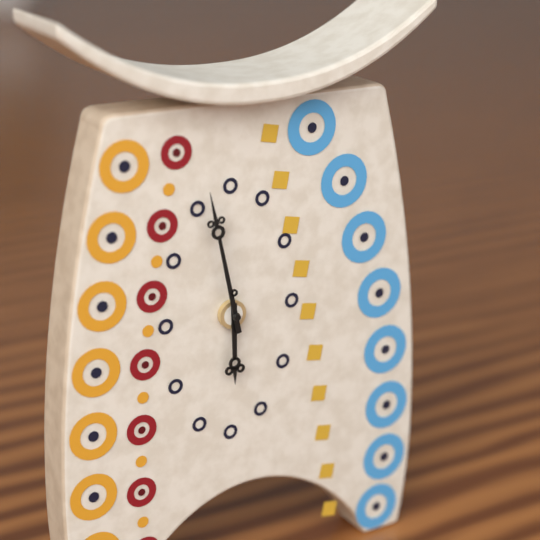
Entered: 5 h 58 min
